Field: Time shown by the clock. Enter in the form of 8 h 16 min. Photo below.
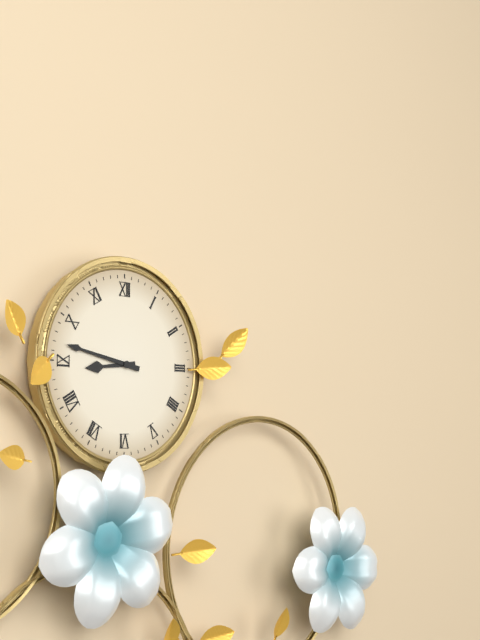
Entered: 8 h 47 min
